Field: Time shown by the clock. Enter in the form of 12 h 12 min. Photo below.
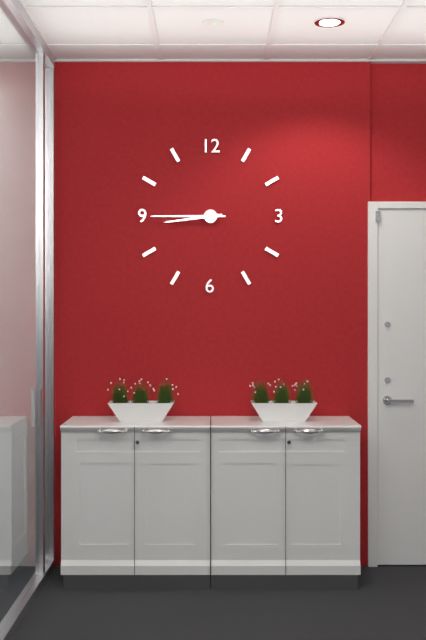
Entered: 8 h 45 min
